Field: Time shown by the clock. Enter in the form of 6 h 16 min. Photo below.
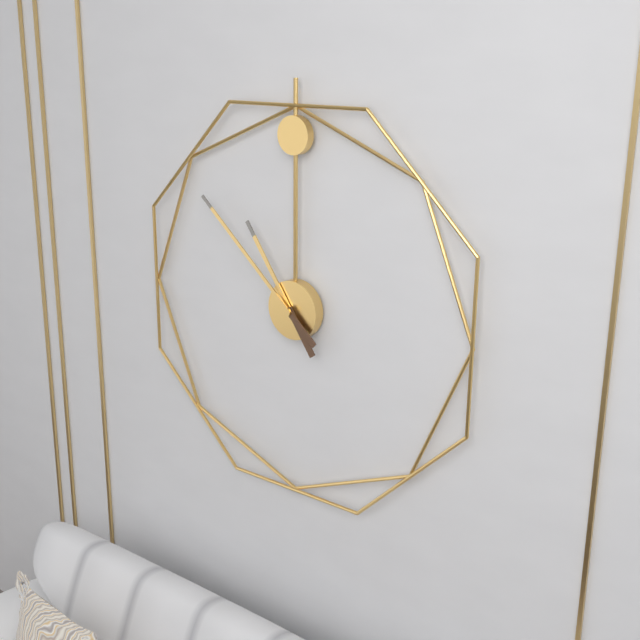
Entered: 10 h 52 min
